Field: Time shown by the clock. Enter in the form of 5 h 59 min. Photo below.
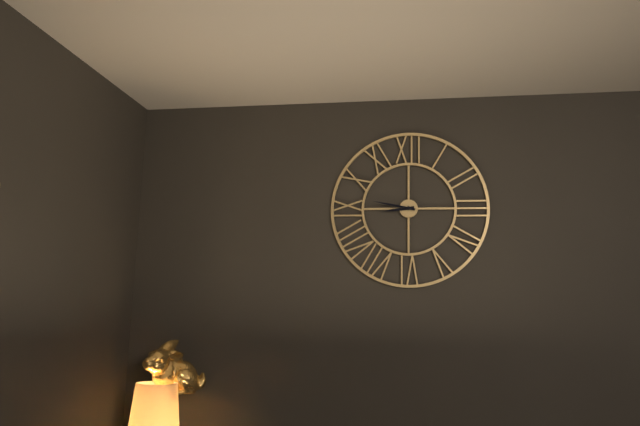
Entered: 8 h 47 min
